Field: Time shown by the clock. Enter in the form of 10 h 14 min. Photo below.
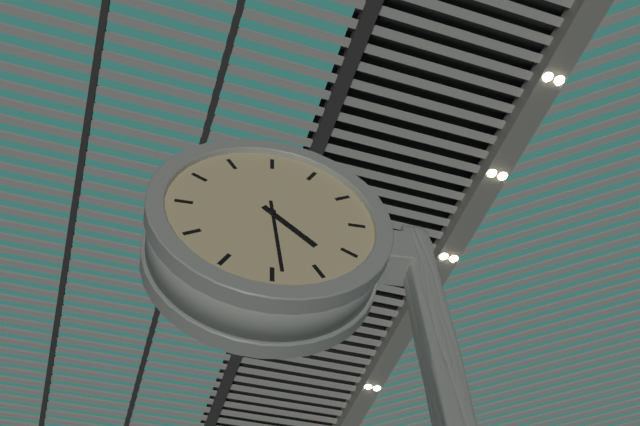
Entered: 4 h 29 min
